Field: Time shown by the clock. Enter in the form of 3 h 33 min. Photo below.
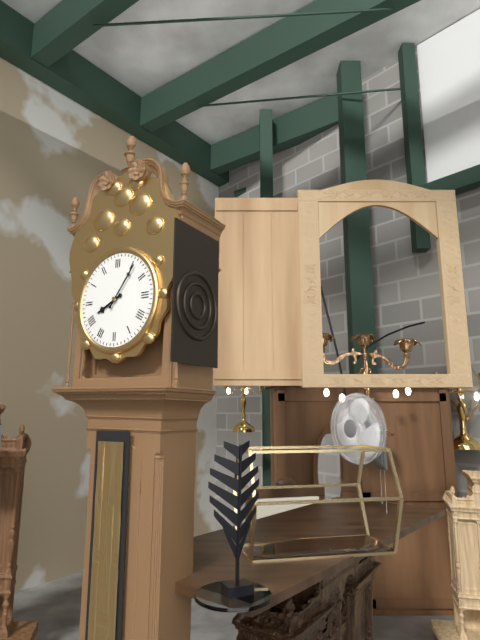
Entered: 8 h 06 min
